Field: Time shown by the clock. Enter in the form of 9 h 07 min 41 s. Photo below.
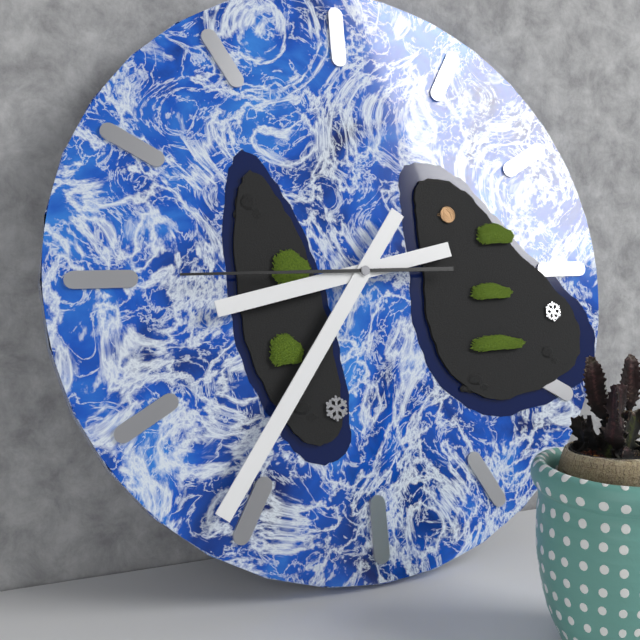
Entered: 8 h 36 min 45 s
